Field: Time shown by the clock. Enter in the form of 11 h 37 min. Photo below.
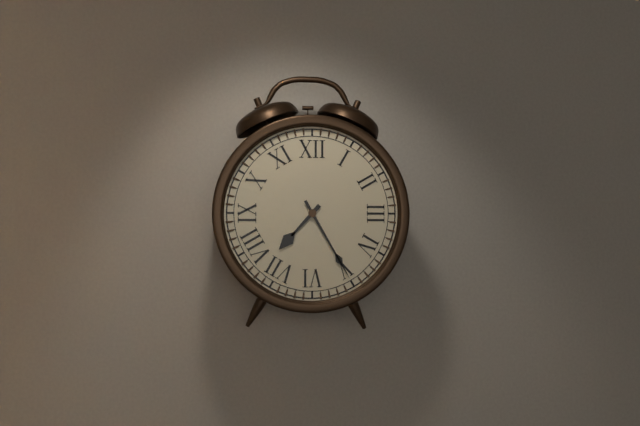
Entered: 7 h 25 min
